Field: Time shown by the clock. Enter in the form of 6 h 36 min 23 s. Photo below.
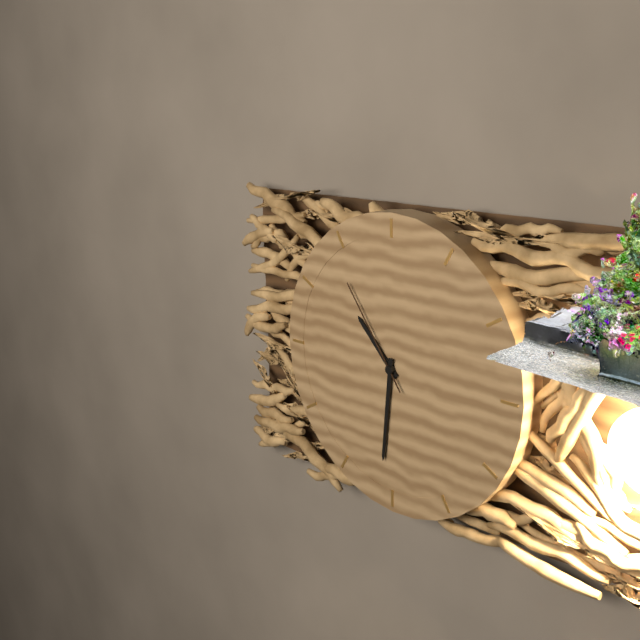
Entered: 10 h 31 min 54 s
